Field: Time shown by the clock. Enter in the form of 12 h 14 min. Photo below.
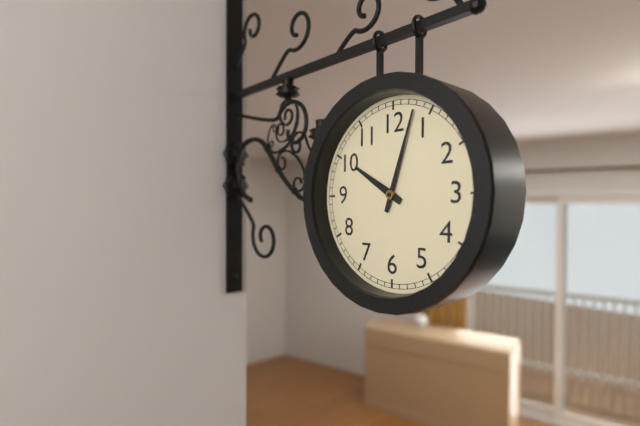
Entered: 10 h 03 min
